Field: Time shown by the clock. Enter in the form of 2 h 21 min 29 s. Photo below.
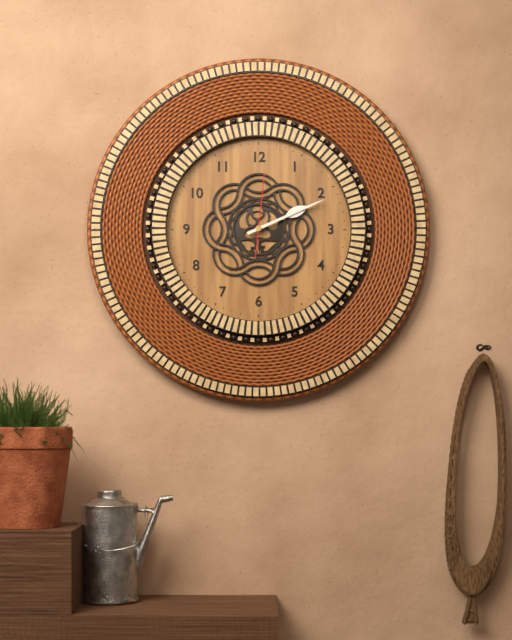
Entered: 2 h 11 min 01 s
